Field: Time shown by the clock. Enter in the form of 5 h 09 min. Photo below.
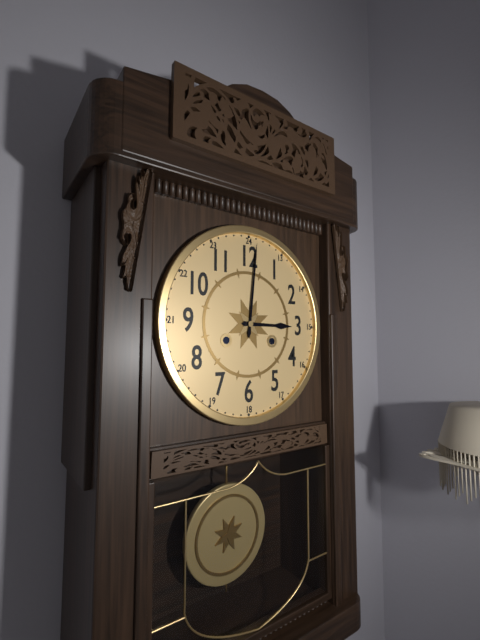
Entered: 3 h 01 min
